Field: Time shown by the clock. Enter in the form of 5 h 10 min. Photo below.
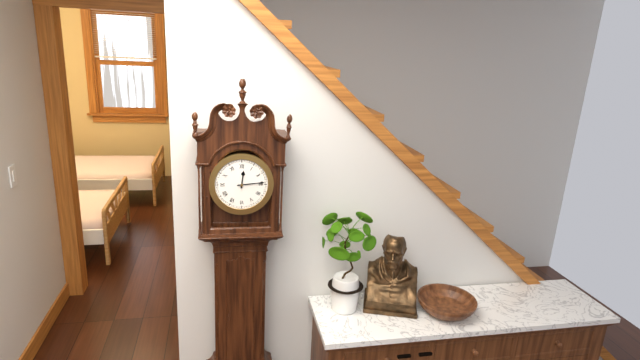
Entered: 12 h 14 min
